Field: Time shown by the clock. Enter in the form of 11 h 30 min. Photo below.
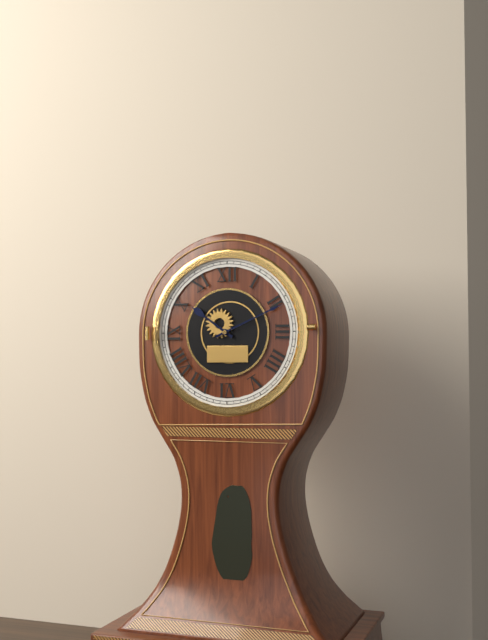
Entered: 10 h 11 min
